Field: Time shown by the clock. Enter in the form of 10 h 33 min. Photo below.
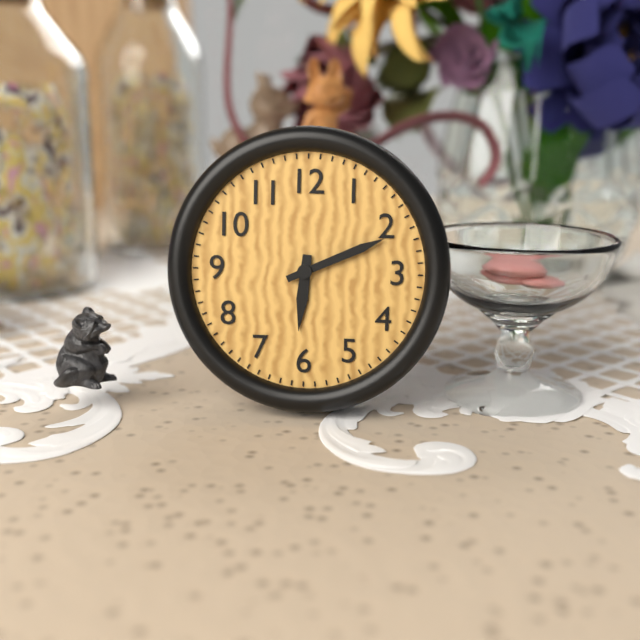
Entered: 6 h 11 min
